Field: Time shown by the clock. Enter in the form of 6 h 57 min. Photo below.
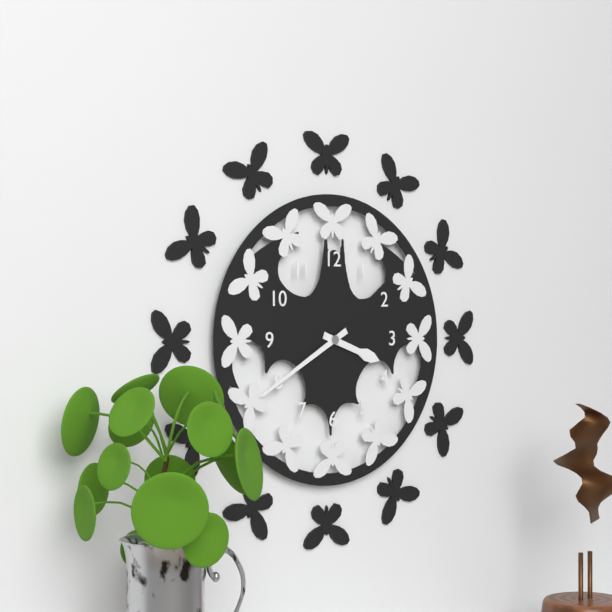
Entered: 3 h 40 min
